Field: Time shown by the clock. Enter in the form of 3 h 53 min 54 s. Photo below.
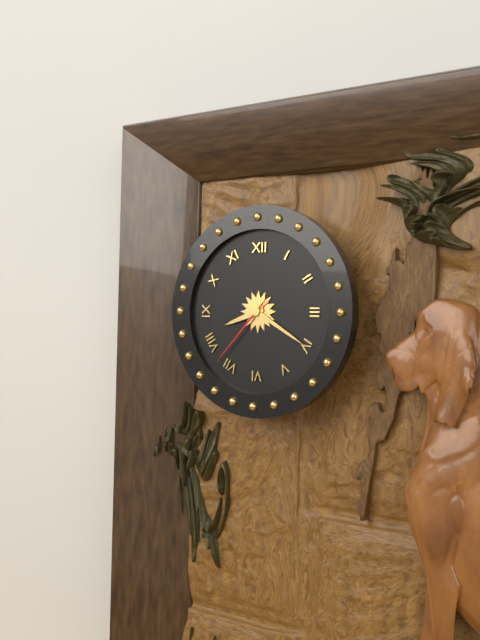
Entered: 8 h 20 min 37 s
